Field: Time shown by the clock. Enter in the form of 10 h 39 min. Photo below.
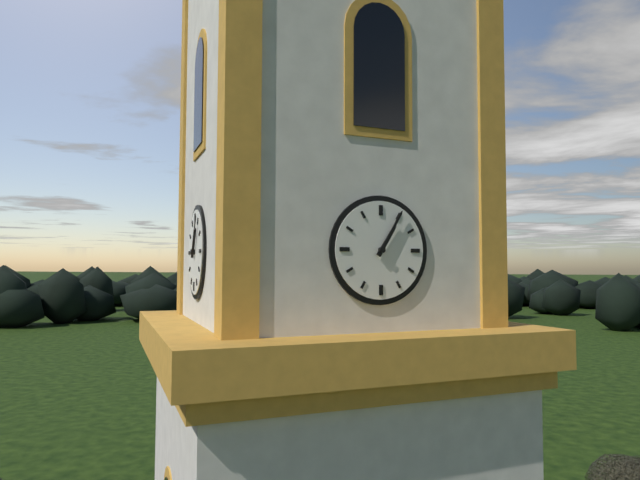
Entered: 1 h 05 min
